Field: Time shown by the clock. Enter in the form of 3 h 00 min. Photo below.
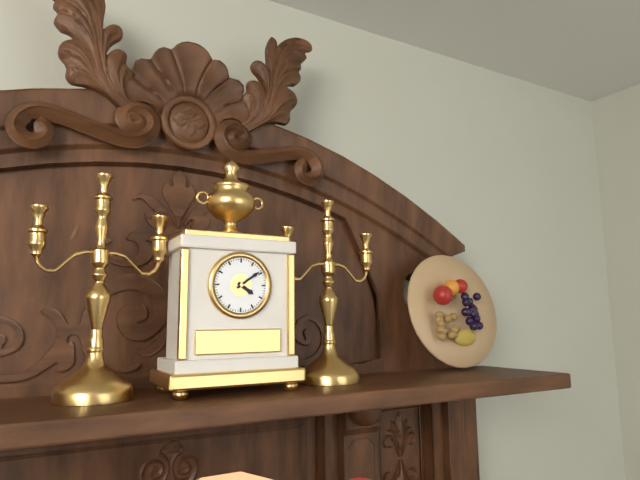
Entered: 4 h 09 min
